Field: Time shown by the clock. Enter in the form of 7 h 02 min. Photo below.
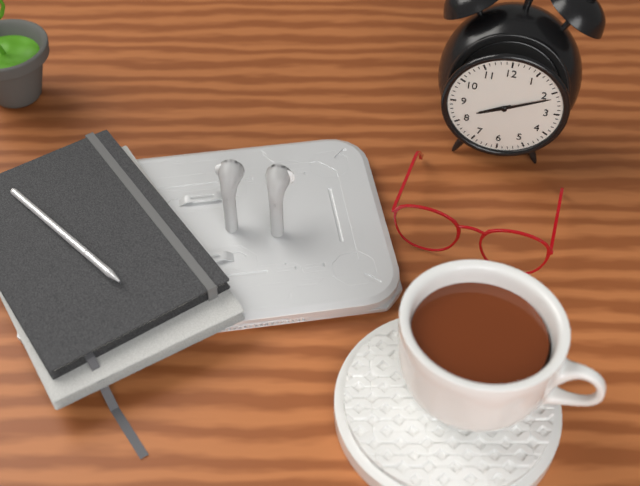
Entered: 8 h 11 min
